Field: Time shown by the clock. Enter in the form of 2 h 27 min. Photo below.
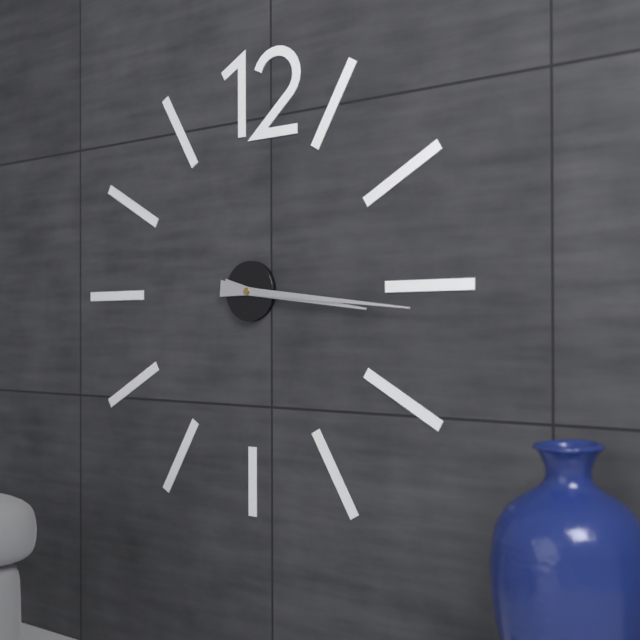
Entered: 3 h 16 min
